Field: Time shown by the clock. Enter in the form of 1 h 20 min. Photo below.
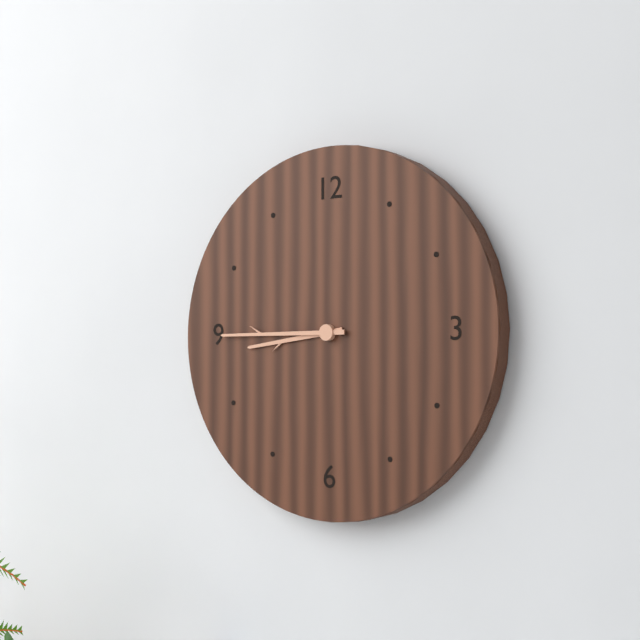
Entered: 8 h 45 min
